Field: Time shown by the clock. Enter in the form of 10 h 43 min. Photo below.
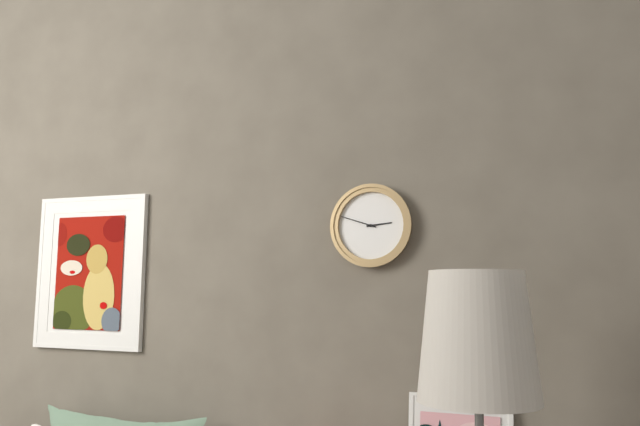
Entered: 2 h 48 min
